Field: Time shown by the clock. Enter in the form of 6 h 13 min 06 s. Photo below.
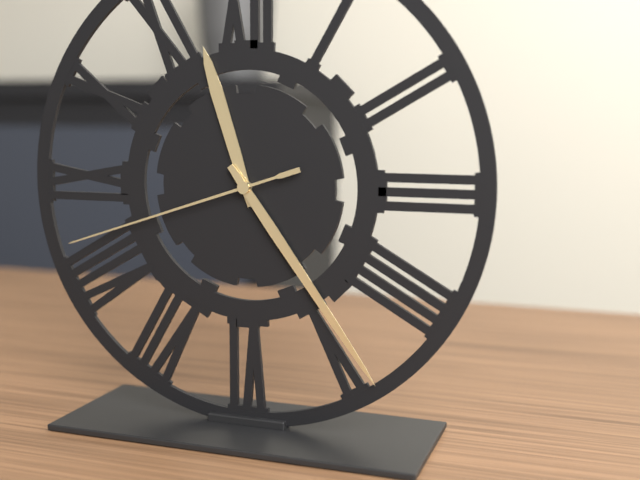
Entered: 11 h 24 min 42 s
